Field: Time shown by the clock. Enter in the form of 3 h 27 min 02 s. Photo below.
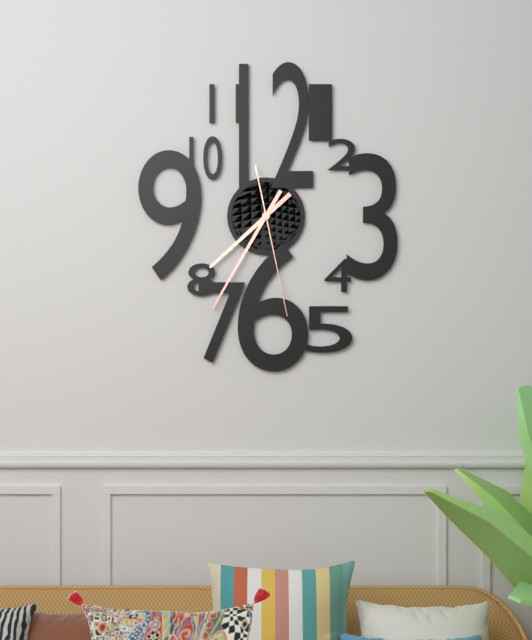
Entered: 7 h 35 min 28 s
